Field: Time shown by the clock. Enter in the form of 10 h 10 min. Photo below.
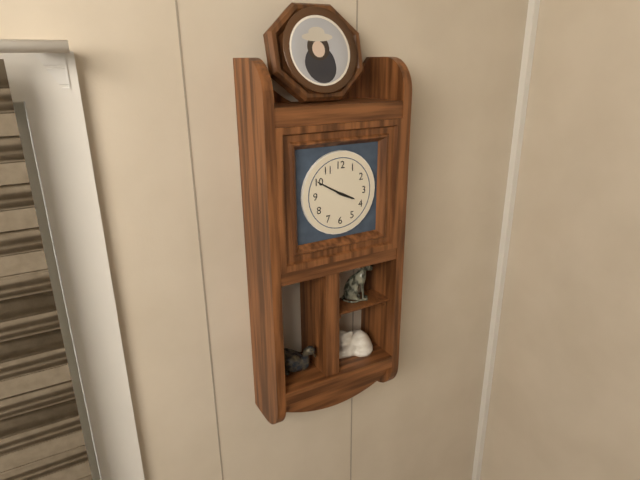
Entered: 3 h 50 min
